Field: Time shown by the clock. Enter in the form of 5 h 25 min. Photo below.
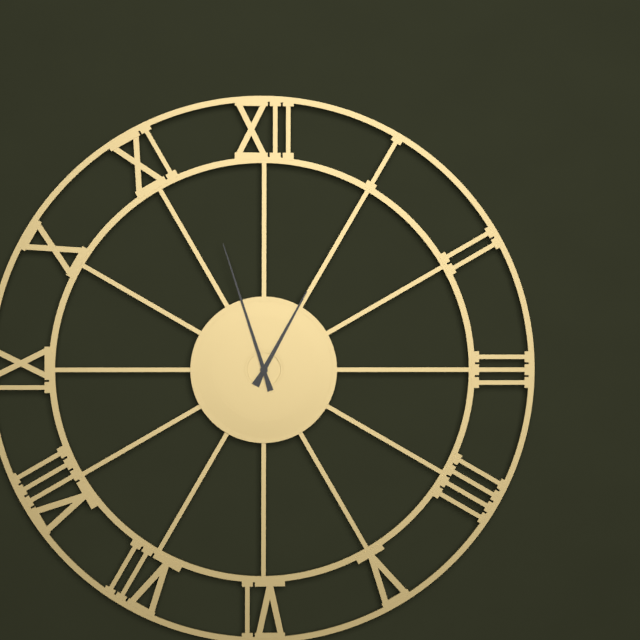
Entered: 12 h 57 min
